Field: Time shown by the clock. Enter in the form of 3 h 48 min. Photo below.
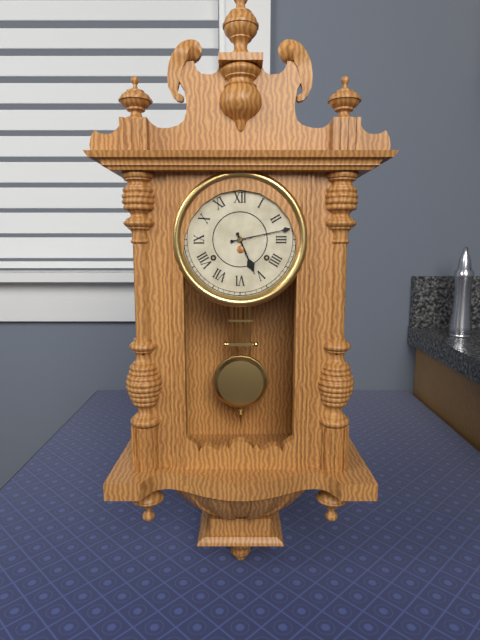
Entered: 5 h 13 min
